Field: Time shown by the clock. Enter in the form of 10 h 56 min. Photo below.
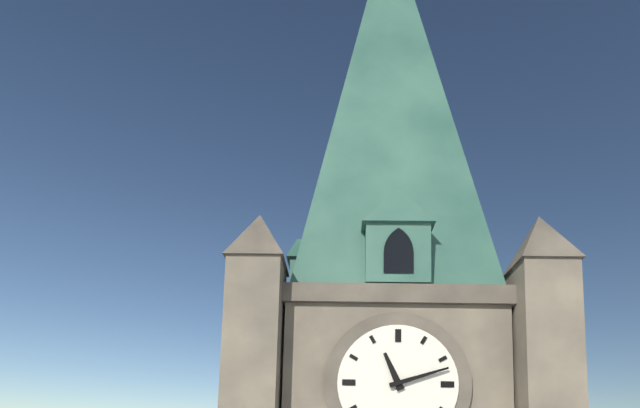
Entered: 11 h 12 min
